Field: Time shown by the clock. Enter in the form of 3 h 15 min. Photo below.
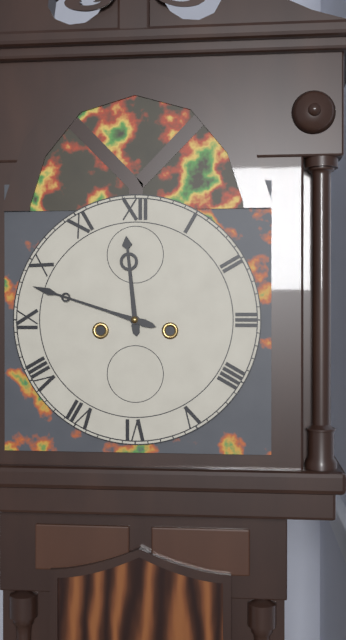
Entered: 11 h 48 min
